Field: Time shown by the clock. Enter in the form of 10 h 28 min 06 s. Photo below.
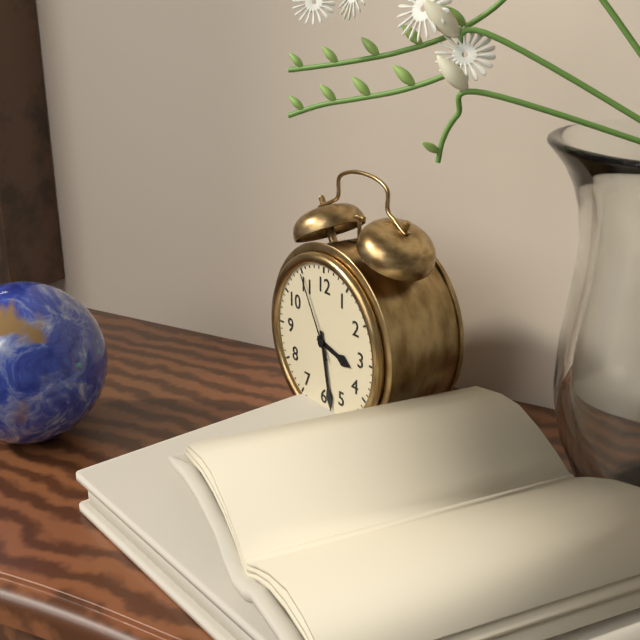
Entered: 3 h 28 min 55 s
